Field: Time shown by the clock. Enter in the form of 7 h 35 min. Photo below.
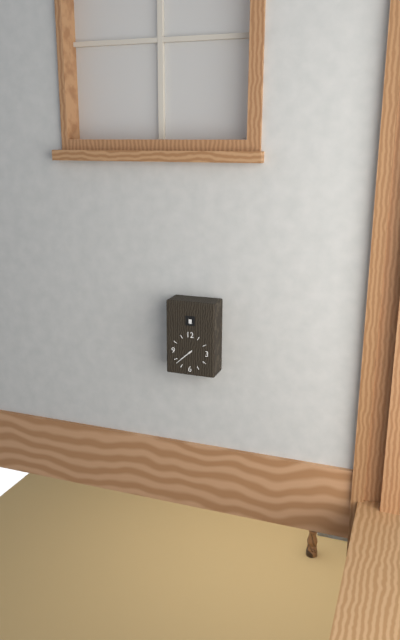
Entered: 7 h 38 min
